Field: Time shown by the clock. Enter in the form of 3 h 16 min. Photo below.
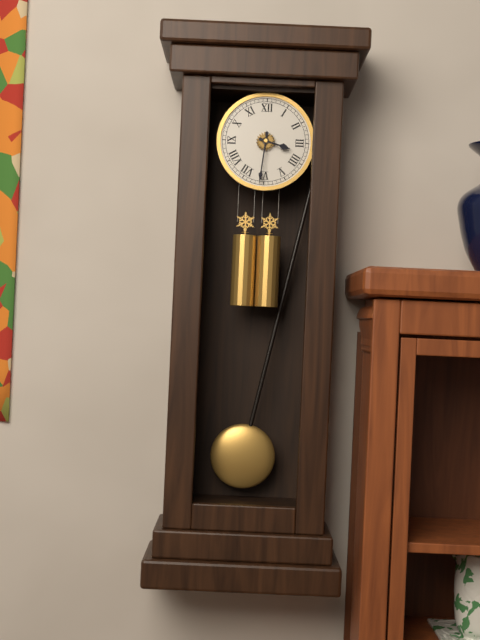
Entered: 3 h 31 min
